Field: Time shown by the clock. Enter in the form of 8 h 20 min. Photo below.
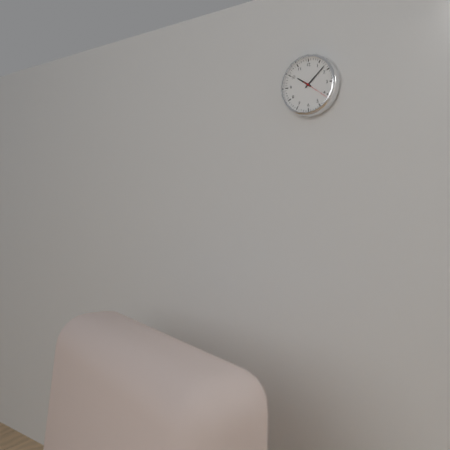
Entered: 10 h 08 min
